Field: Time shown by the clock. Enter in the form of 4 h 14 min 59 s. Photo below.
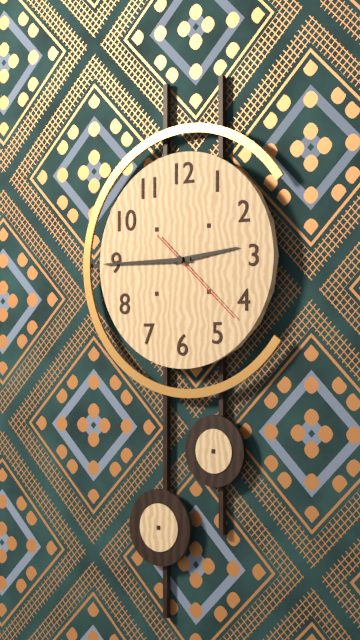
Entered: 2 h 45 min 22 s
